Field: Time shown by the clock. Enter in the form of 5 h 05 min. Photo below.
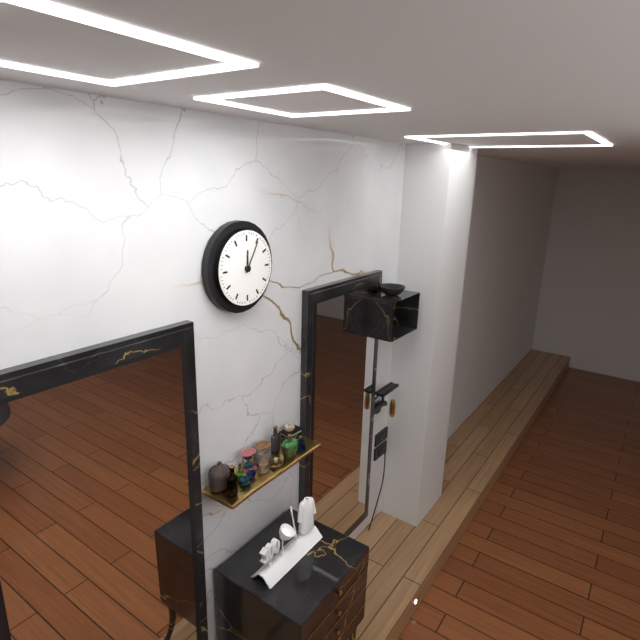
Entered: 12 h 05 min
